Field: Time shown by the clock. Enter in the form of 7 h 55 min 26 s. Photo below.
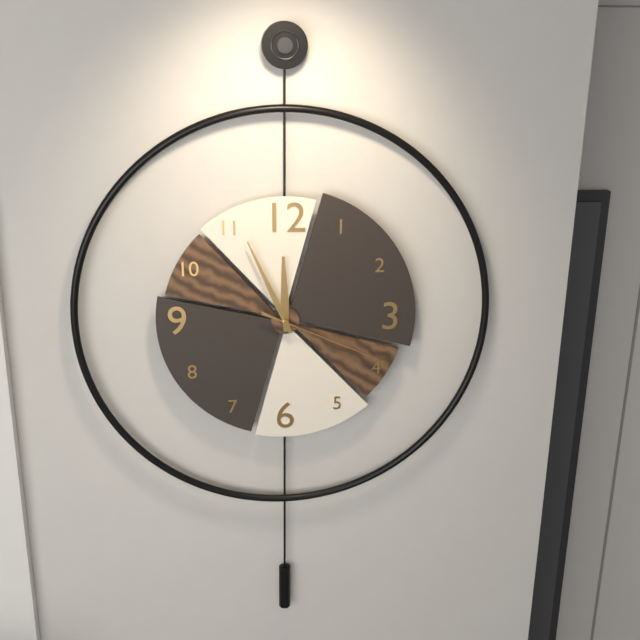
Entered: 11 h 56 min 19 s
